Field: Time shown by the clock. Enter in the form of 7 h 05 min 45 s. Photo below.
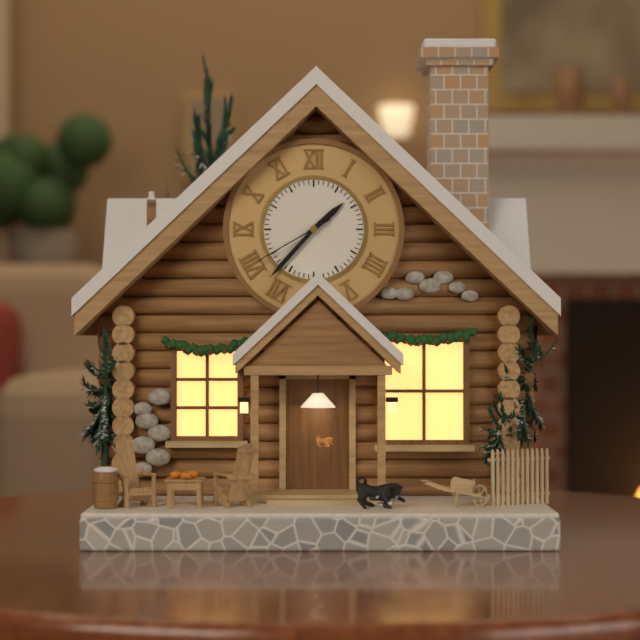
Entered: 1 h 37 min 40 s
